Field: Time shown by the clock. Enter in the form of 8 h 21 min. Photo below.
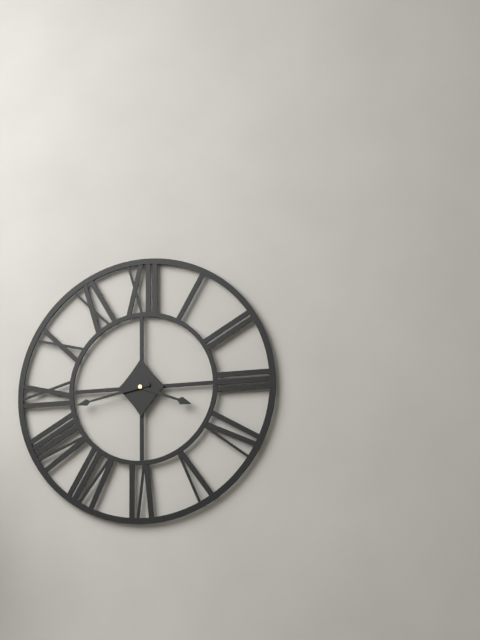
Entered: 3 h 43 min
